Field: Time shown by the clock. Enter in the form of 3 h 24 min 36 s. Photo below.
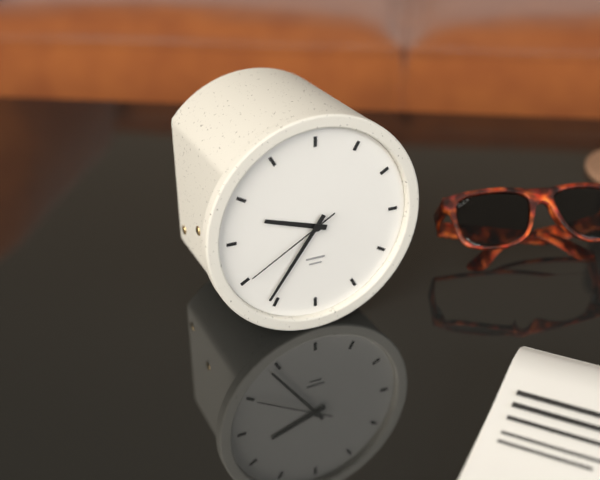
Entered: 9 h 36 min 40 s
